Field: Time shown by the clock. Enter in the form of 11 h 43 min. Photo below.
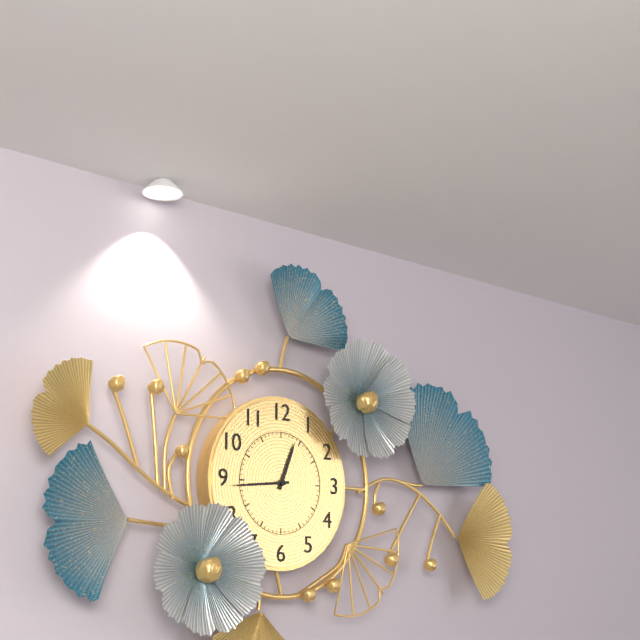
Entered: 12 h 44 min
